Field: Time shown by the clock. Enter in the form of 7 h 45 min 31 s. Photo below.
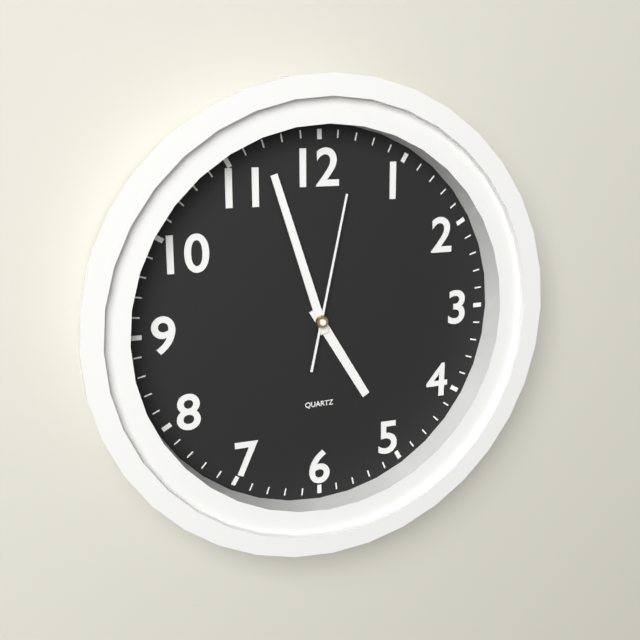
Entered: 4 h 57 min 02 s
